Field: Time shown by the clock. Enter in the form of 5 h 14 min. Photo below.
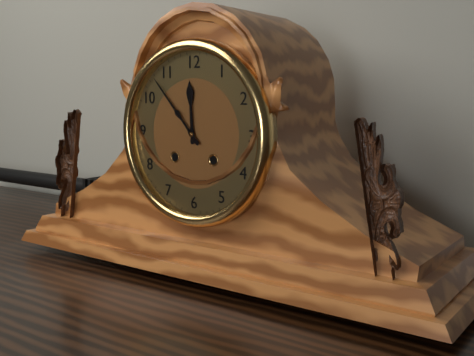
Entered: 11 h 53 min
